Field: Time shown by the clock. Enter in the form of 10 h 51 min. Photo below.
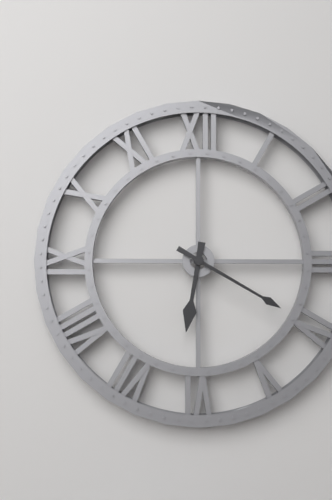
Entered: 6 h 20 min
